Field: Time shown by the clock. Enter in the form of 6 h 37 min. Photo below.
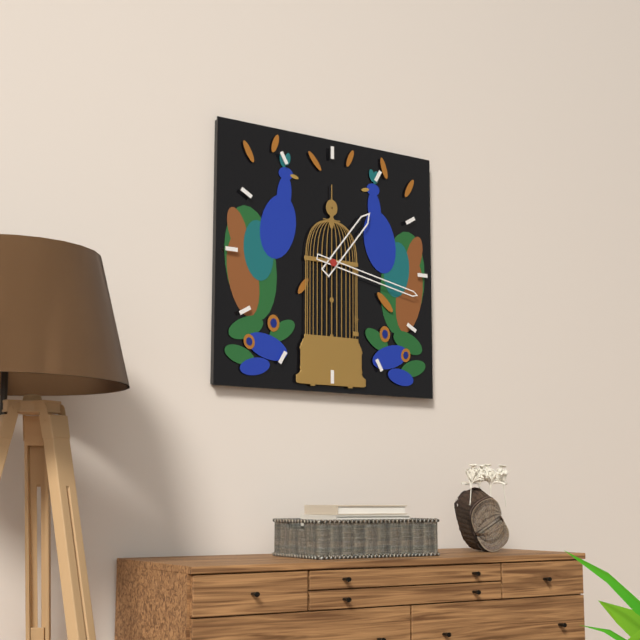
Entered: 1 h 17 min
